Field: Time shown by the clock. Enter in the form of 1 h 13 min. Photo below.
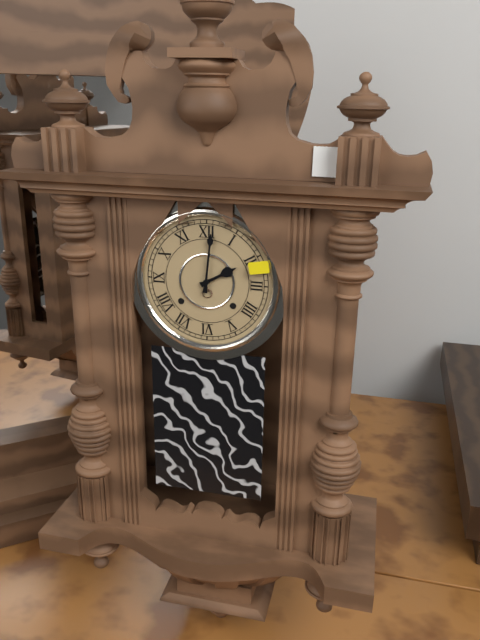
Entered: 2 h 01 min
